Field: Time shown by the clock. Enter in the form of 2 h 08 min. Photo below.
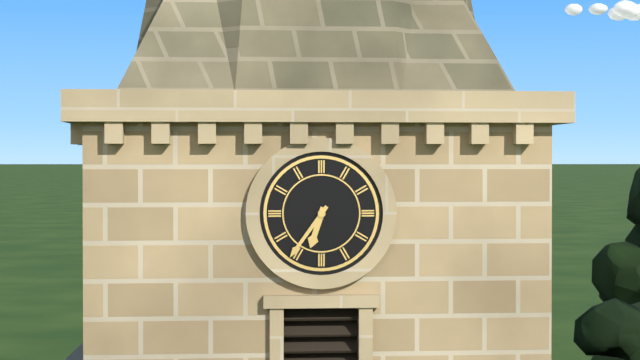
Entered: 6 h 36 min
